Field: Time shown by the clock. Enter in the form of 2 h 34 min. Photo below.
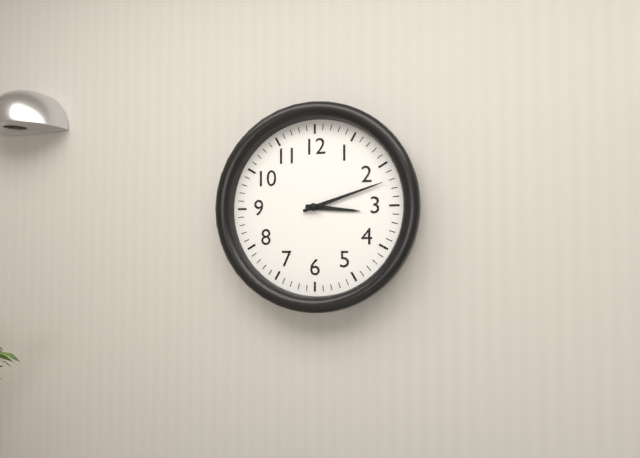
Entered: 3 h 12 min
